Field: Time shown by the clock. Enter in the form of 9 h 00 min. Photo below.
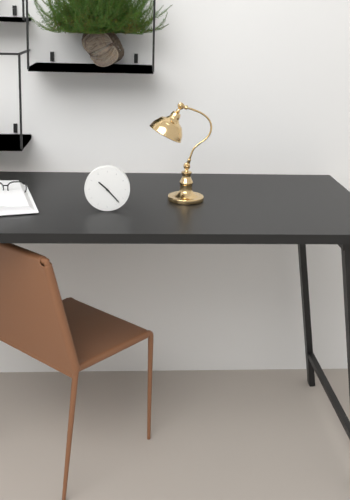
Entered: 10 h 23 min
